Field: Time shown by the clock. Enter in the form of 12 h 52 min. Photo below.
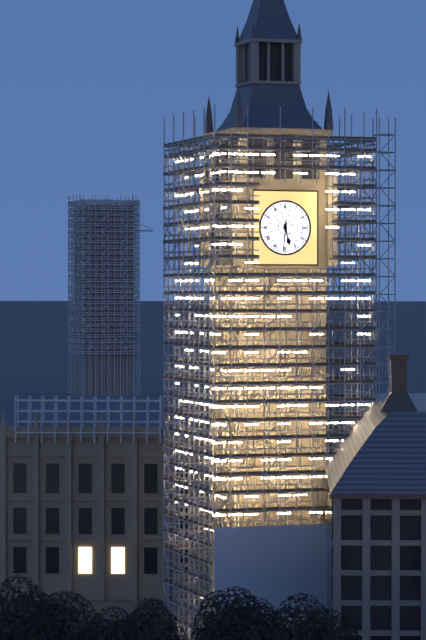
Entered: 5 h 31 min
